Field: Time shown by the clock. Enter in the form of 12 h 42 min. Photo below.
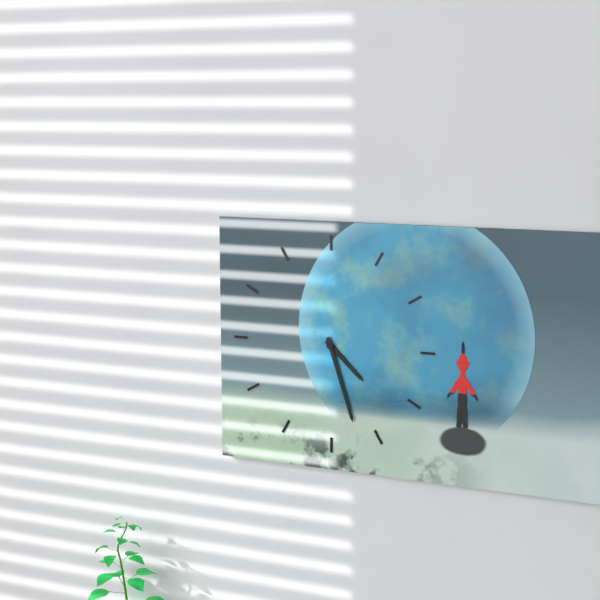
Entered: 4 h 27 min
